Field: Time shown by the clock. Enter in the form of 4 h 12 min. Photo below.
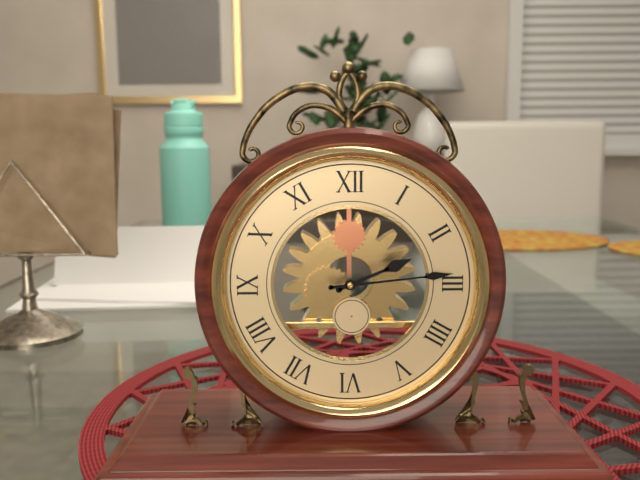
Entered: 2 h 14 min
